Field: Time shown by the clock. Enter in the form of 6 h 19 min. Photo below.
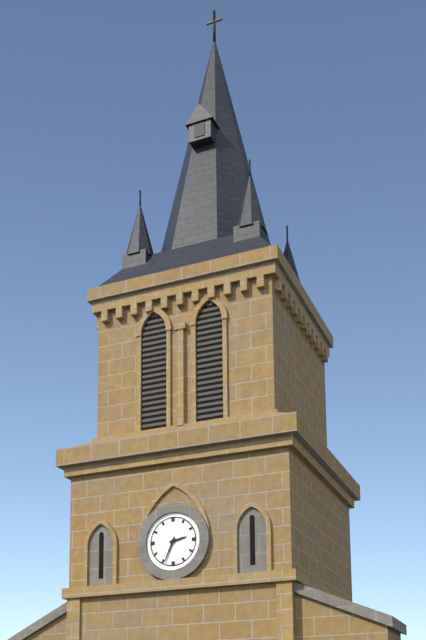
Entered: 2 h 34 min
